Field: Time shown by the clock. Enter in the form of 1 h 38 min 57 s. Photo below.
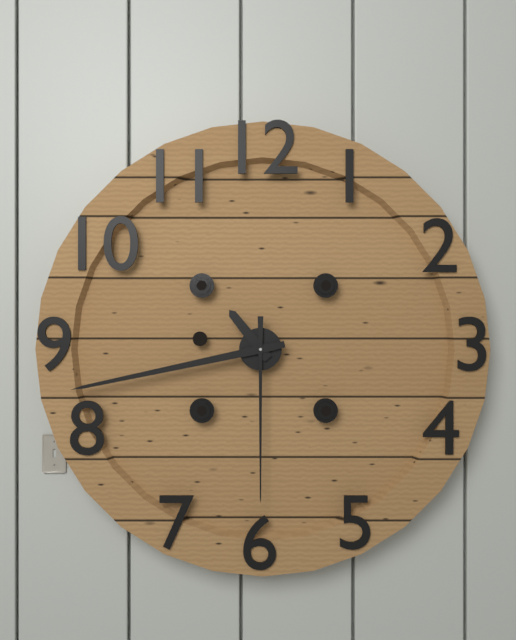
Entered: 10 h 43 min 30 s
